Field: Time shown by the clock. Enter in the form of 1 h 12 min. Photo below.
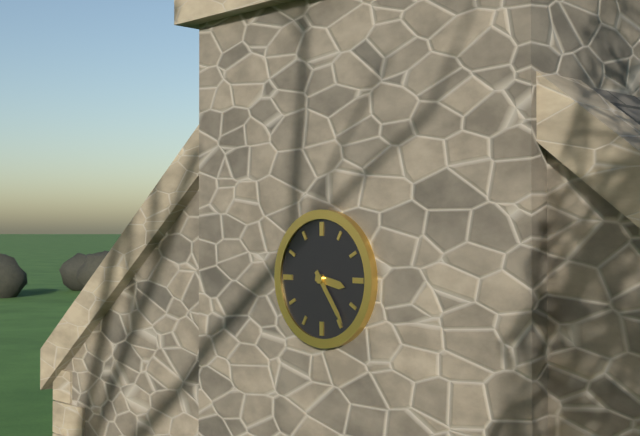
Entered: 3 h 24 min
